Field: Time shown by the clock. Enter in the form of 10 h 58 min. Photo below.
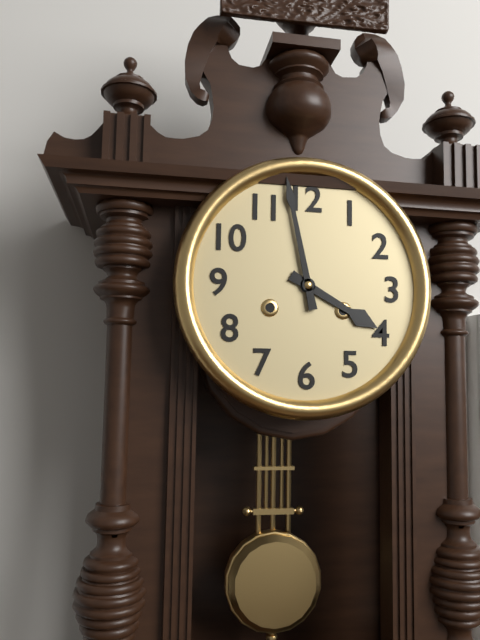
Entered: 3 h 58 min
